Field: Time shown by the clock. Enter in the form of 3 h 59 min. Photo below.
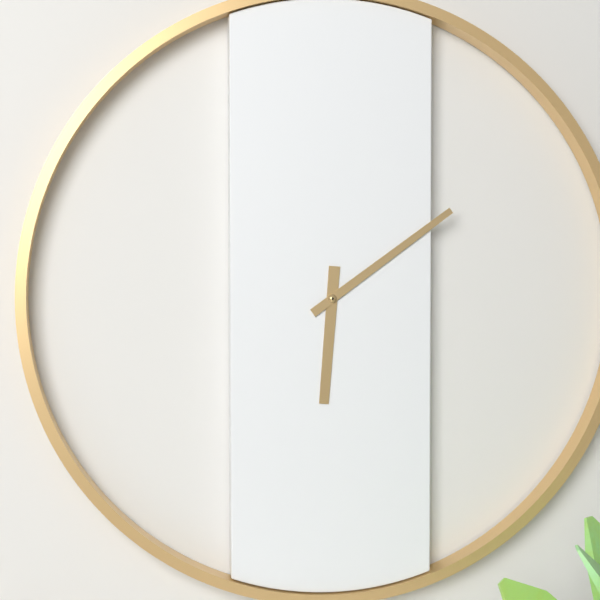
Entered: 6 h 09 min
